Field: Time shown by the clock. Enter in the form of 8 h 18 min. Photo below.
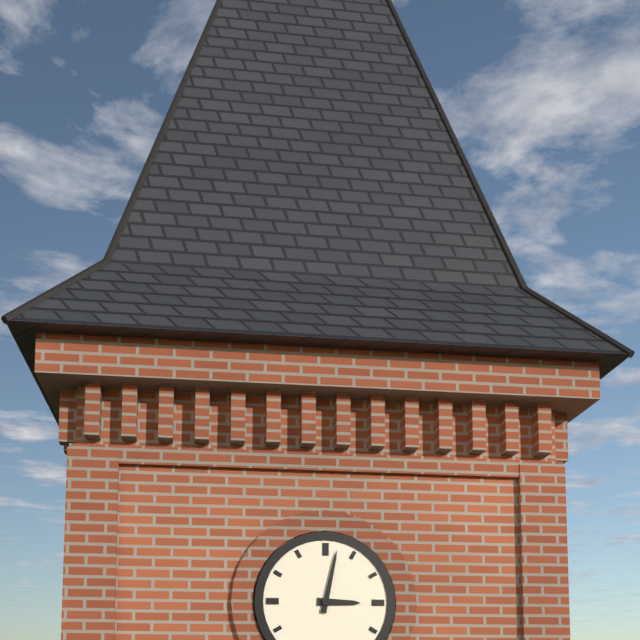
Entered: 3 h 02 min
